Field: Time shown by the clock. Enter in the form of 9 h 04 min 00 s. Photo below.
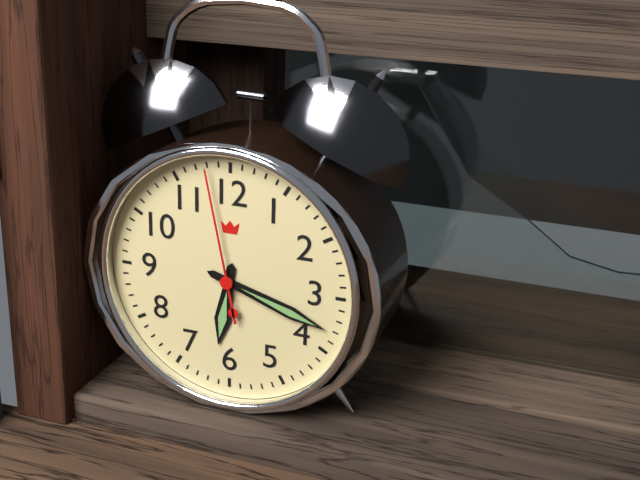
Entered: 6 h 18 min 58 s
